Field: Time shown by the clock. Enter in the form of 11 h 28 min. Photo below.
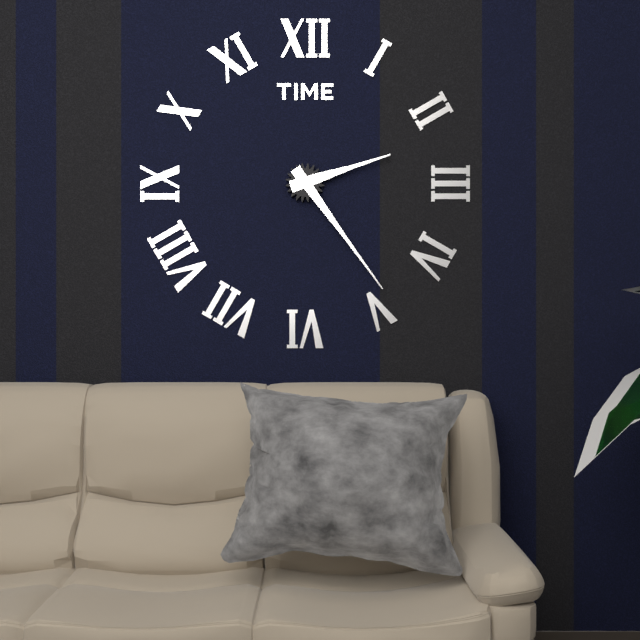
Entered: 2 h 24 min
